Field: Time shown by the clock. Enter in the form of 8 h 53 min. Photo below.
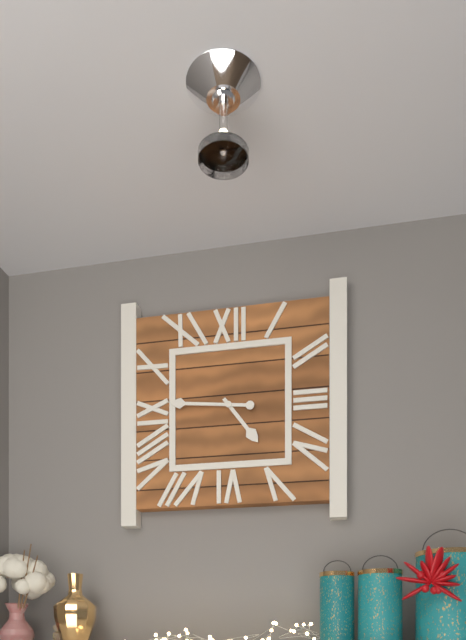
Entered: 4 h 46 min
